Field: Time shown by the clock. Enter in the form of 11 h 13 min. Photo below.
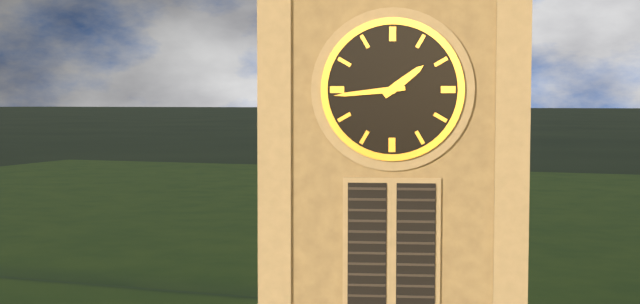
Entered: 1 h 44 min
